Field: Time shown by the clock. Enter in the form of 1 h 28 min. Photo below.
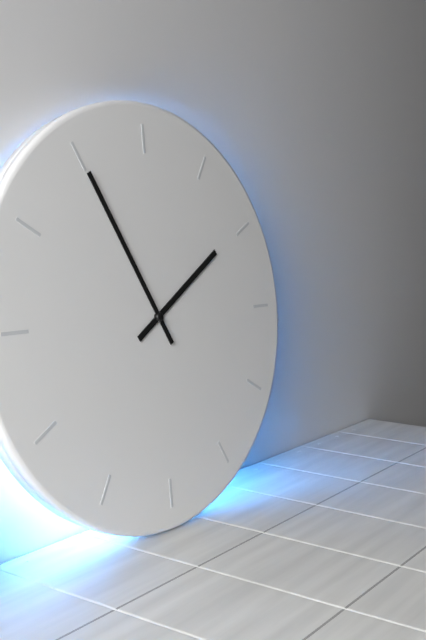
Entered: 1 h 55 min
